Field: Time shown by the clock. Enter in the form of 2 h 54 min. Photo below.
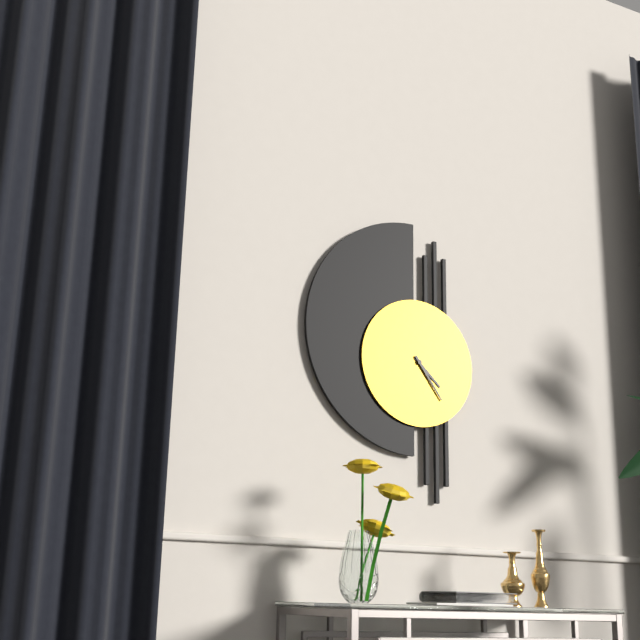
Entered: 4 h 24 min
